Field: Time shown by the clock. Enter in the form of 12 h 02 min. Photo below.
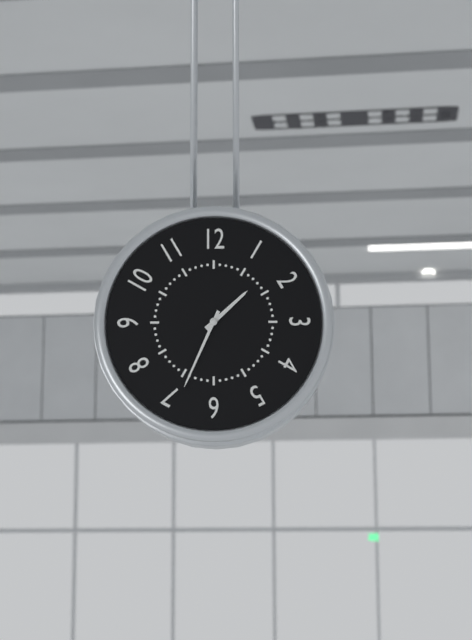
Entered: 1 h 34 min
